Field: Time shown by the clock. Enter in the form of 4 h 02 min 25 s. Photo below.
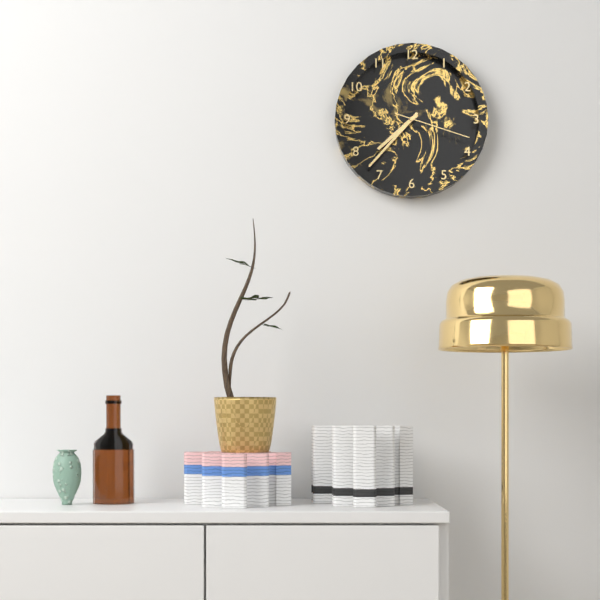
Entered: 7 h 37 min 18 s
